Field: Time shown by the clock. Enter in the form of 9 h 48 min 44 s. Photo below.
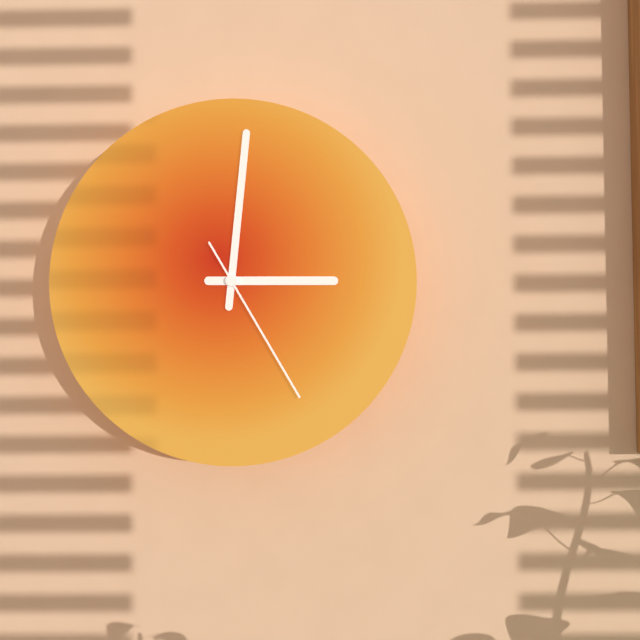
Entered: 3 h 01 min 25 s
